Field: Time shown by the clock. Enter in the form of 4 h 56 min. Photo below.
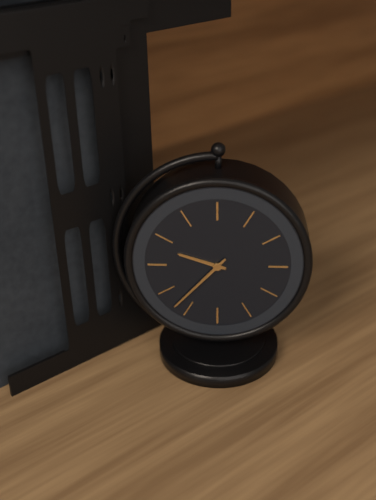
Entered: 9 h 37 min
